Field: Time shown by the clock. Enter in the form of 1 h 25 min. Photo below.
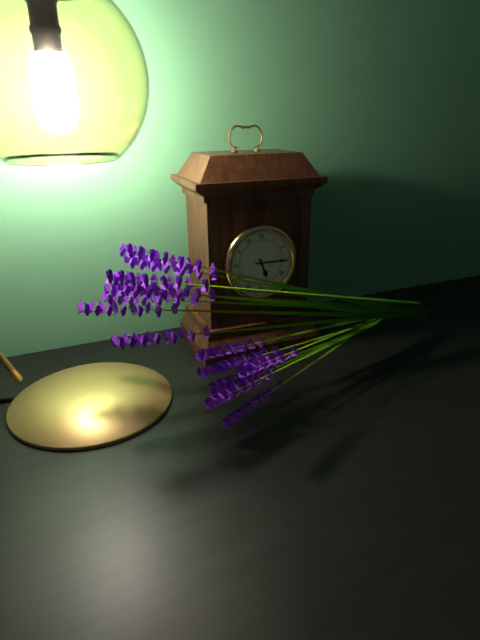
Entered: 5 h 15 min
